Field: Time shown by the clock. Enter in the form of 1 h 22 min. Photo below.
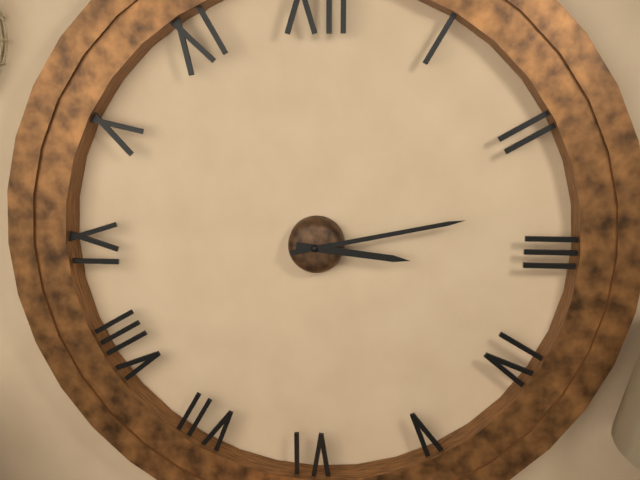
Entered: 3 h 13 min
